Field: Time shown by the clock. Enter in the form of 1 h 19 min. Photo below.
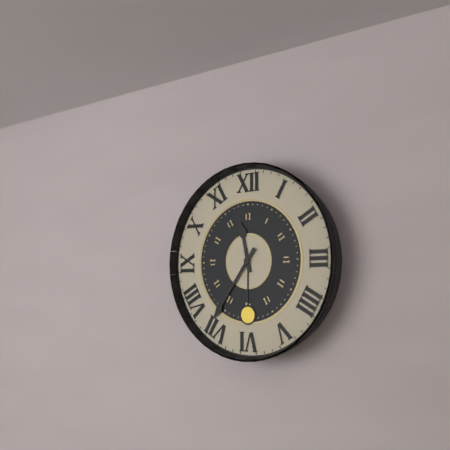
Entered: 11 h 36 min
